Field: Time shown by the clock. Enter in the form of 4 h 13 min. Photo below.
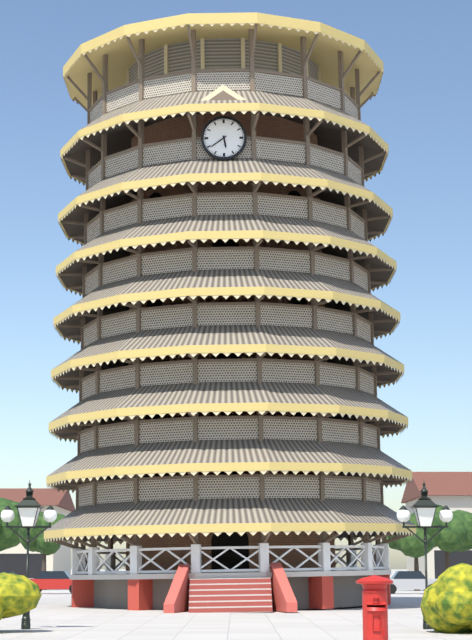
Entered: 5 h 39 min
